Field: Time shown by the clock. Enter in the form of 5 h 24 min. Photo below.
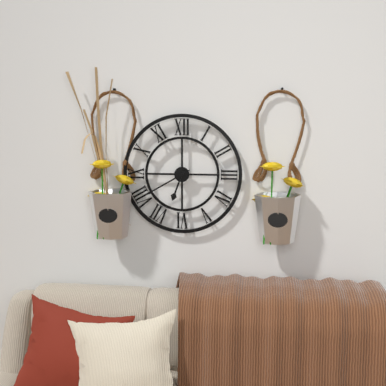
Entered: 6 h 40 min
